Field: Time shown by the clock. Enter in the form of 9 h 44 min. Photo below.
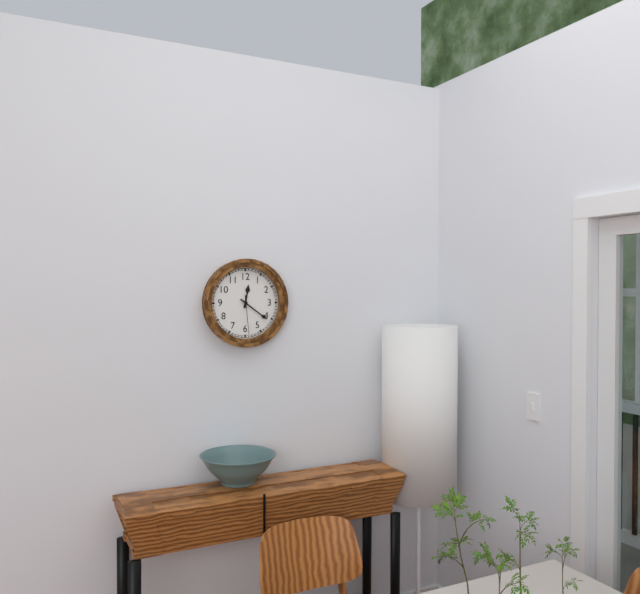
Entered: 12 h 21 min
